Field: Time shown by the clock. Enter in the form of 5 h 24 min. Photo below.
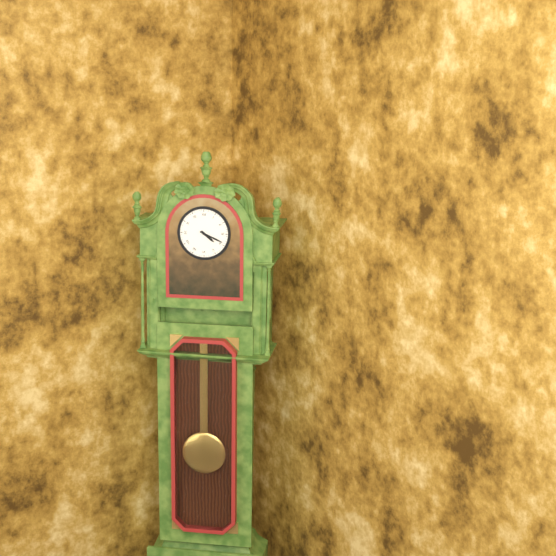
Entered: 4 h 19 min
